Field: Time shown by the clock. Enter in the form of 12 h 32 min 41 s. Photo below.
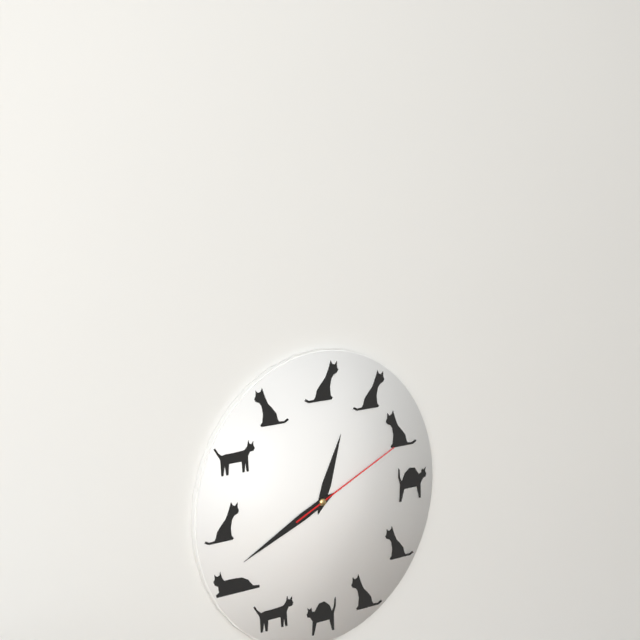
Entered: 12 h 41 min 11 s
